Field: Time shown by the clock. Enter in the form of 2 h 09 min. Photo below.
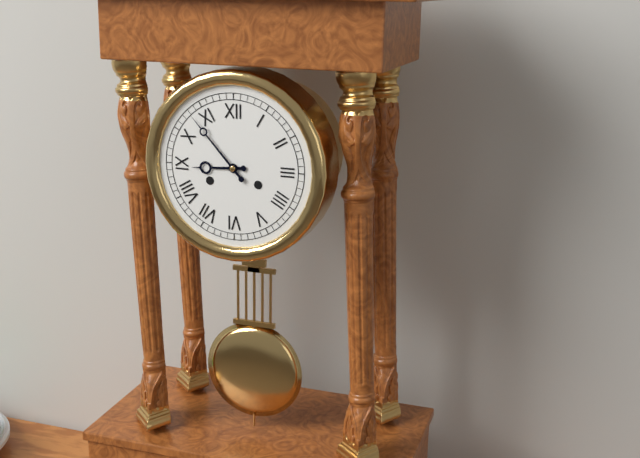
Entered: 8 h 53 min
